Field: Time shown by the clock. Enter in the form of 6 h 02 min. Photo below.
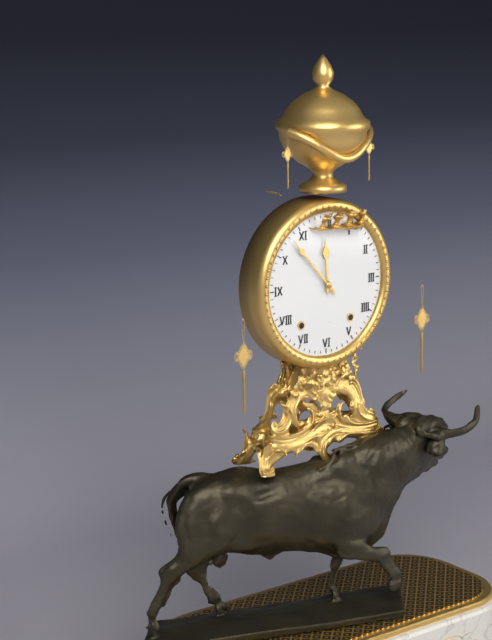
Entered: 11 h 53 min
